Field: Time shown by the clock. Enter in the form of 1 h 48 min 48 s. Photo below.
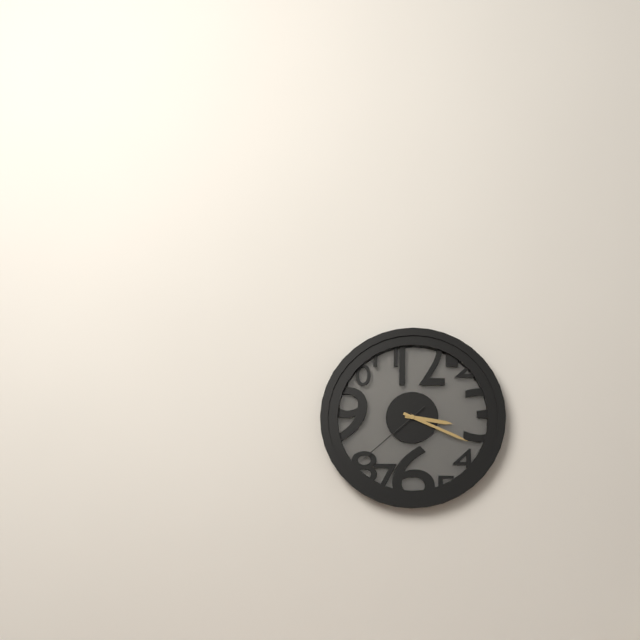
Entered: 3 h 19 min 38 s
